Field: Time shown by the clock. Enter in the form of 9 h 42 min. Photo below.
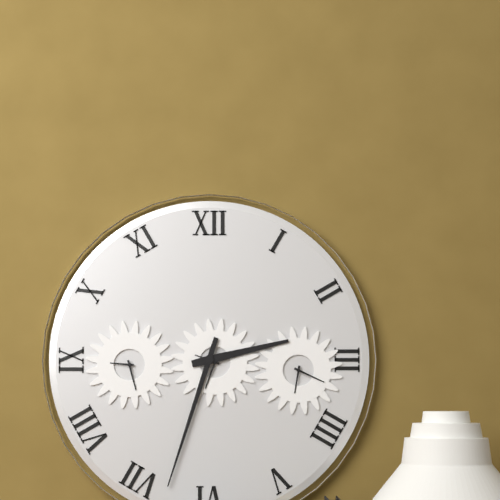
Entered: 2 h 33 min
